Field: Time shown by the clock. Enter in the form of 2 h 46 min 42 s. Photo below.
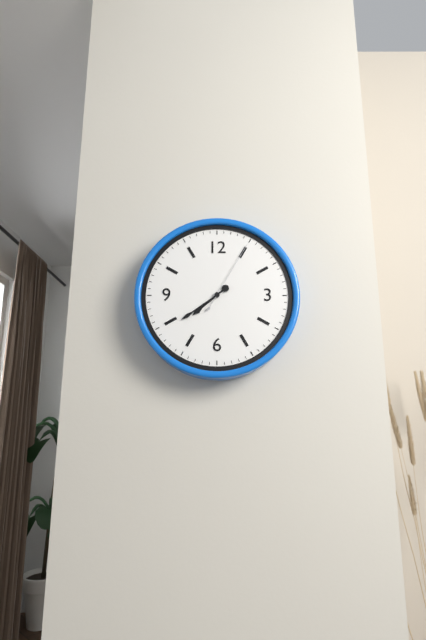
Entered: 7 h 39 min 05 s
